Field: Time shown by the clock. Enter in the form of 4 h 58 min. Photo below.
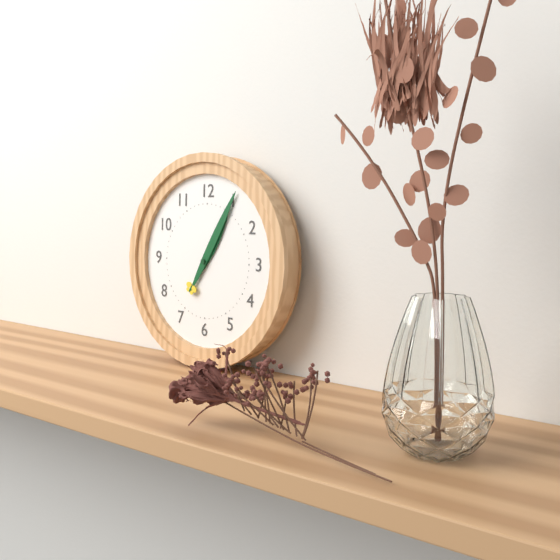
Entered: 1 h 05 min
